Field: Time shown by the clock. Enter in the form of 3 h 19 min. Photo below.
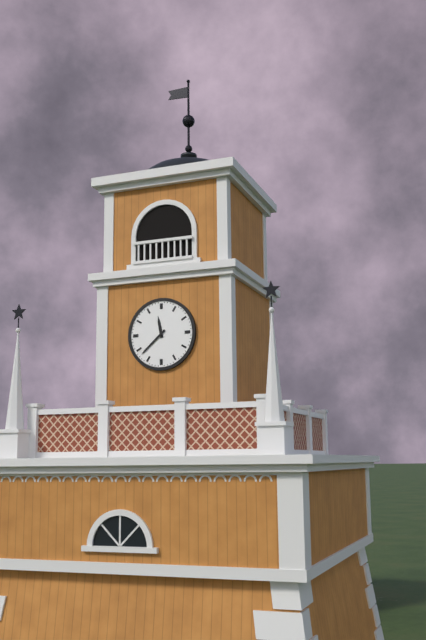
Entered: 11 h 38 min
